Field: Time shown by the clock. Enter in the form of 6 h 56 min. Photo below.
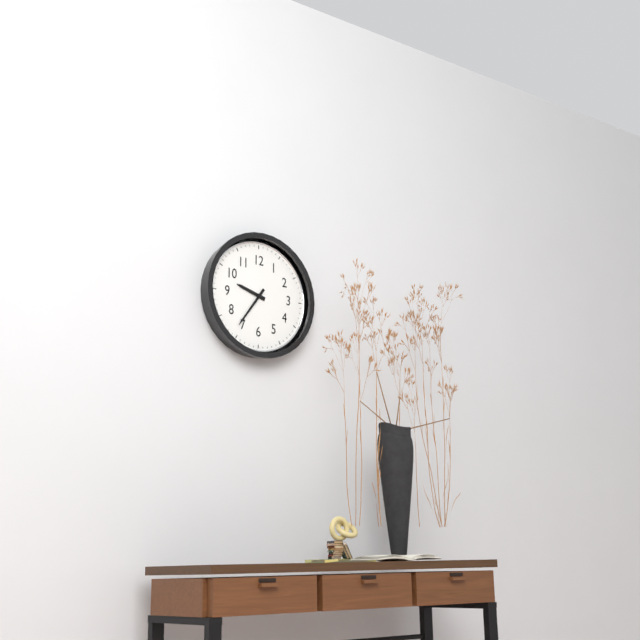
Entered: 9 h 36 min
